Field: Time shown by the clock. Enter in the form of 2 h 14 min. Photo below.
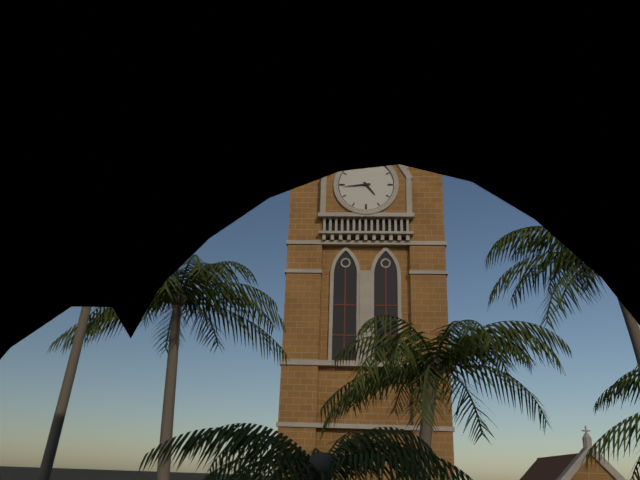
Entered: 4 h 44 min
